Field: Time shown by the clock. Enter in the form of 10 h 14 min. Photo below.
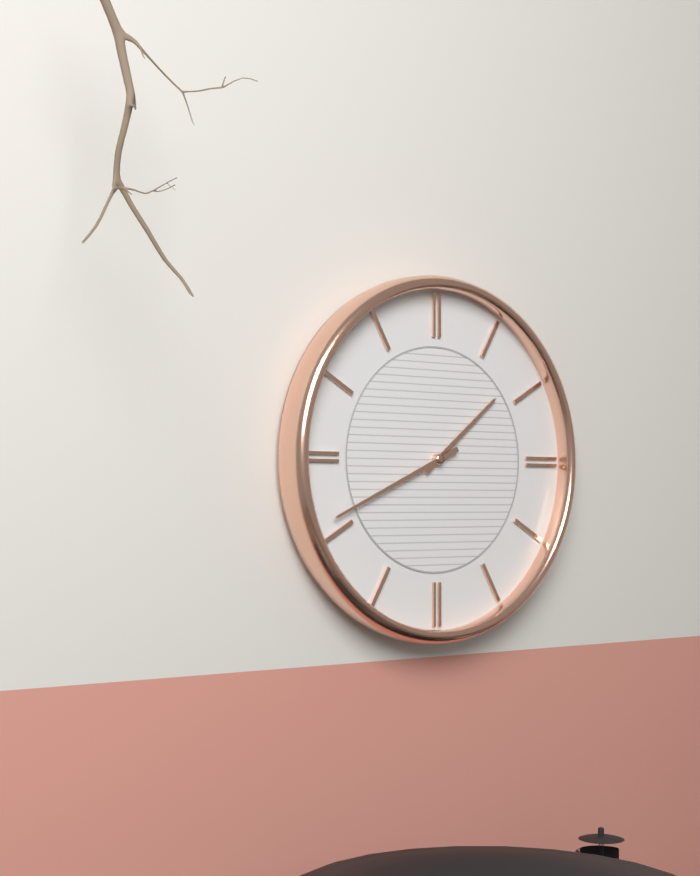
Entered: 1 h 41 min
